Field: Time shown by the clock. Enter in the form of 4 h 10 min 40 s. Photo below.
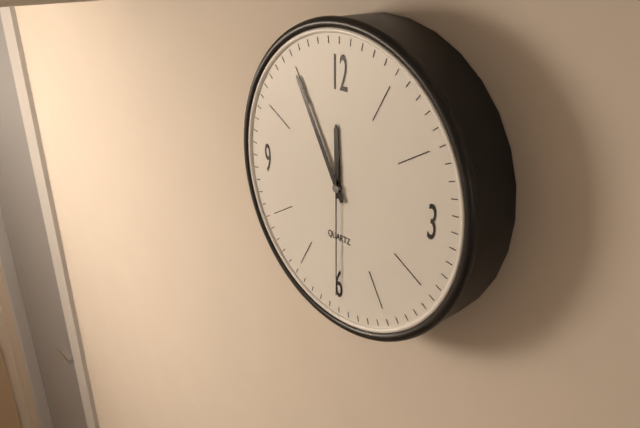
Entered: 11 h 55 min 30 s
